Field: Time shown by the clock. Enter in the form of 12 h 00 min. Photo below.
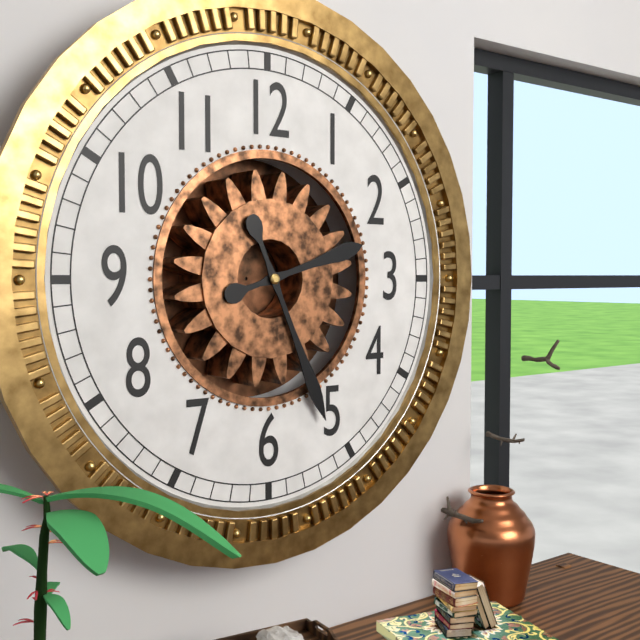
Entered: 2 h 26 min
